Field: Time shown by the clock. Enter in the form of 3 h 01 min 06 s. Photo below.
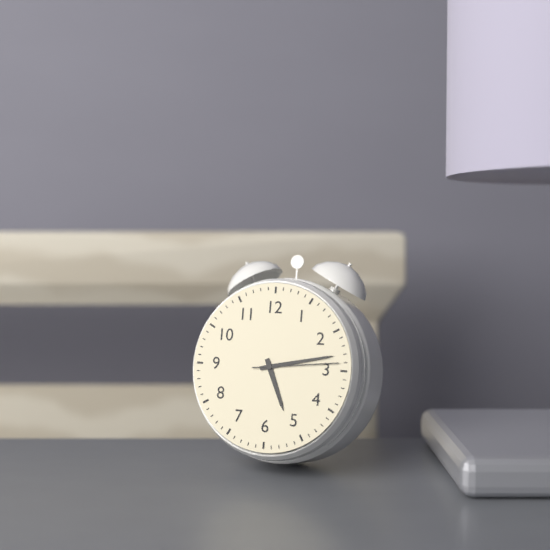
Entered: 5 h 13 min 14 s
